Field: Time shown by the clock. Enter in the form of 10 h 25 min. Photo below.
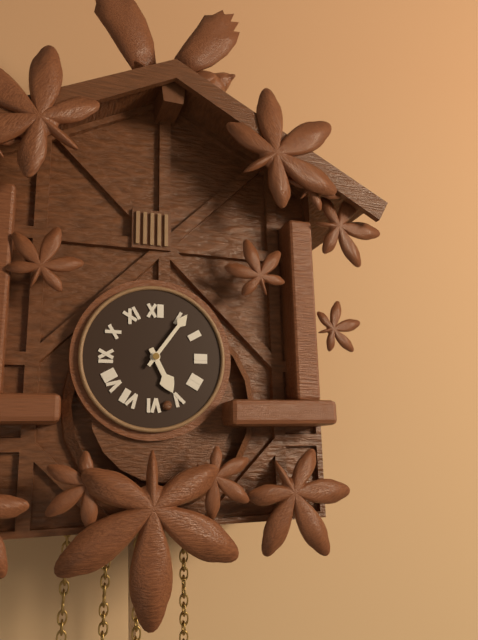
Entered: 5 h 06 min
